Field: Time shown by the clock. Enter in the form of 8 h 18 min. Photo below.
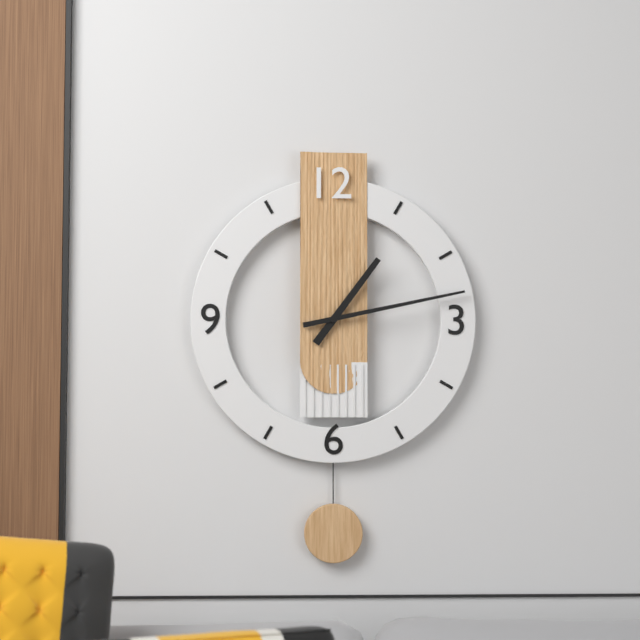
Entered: 1 h 13 min
